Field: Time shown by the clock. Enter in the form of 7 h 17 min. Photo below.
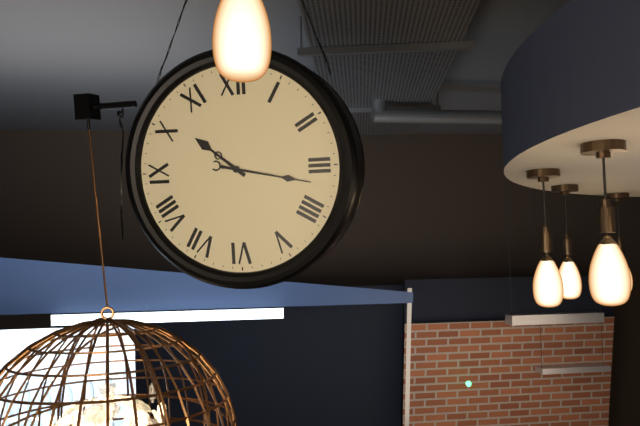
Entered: 10 h 17 min
